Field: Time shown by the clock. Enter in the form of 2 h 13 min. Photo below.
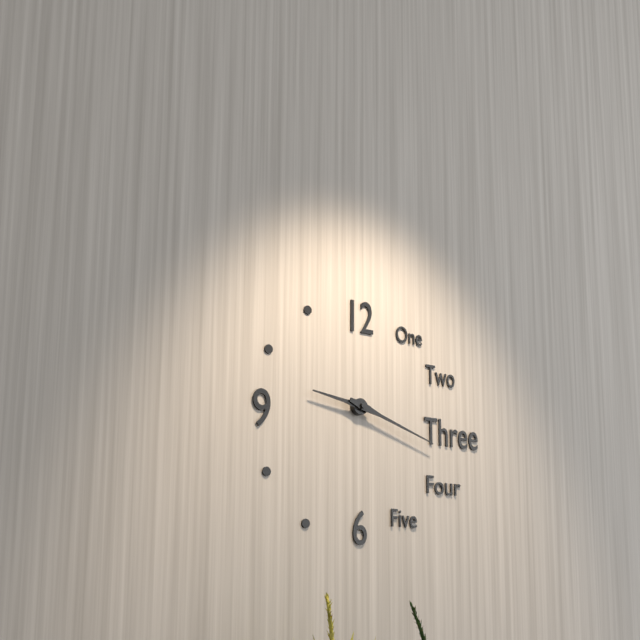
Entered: 9 h 18 min
